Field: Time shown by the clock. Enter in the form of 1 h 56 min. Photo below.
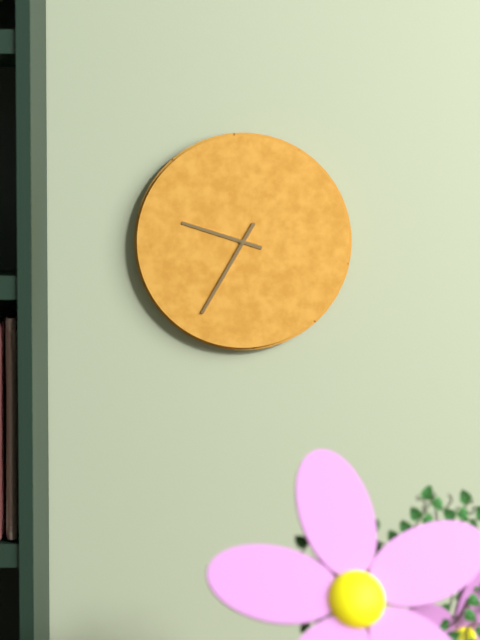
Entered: 9 h 35 min
